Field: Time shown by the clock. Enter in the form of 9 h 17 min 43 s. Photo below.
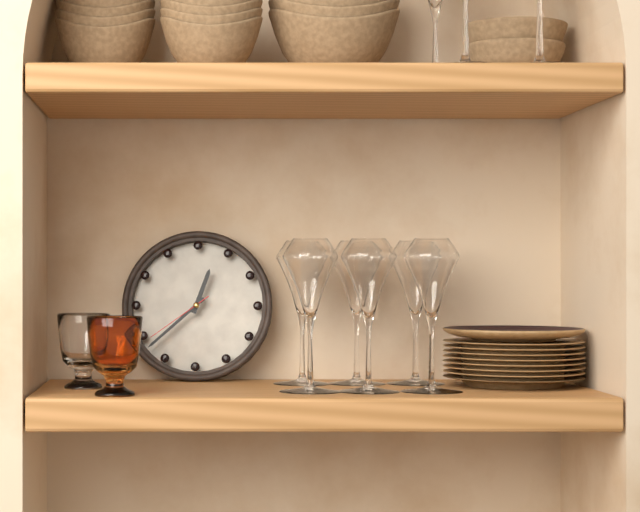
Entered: 12 h 38 min 39 s
